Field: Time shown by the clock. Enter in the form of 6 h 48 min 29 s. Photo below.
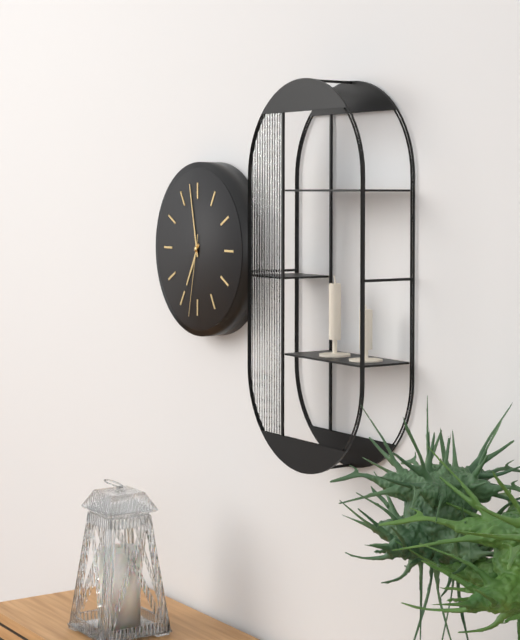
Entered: 6 h 58 min 32 s
